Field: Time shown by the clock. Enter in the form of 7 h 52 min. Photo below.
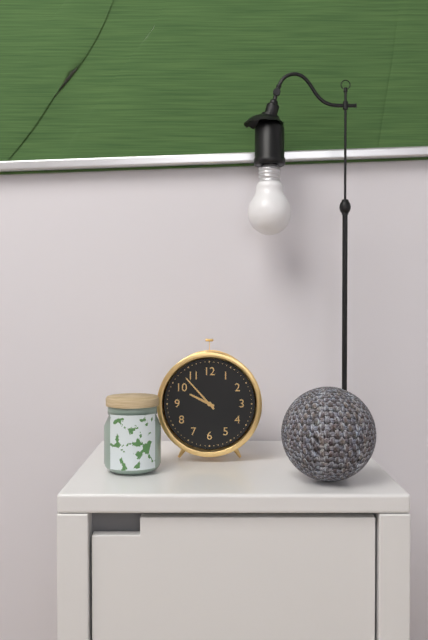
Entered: 9 h 53 min
